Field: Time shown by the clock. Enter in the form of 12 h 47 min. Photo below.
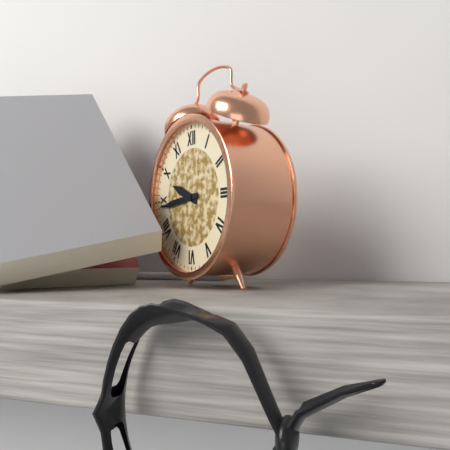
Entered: 9 h 44 min
